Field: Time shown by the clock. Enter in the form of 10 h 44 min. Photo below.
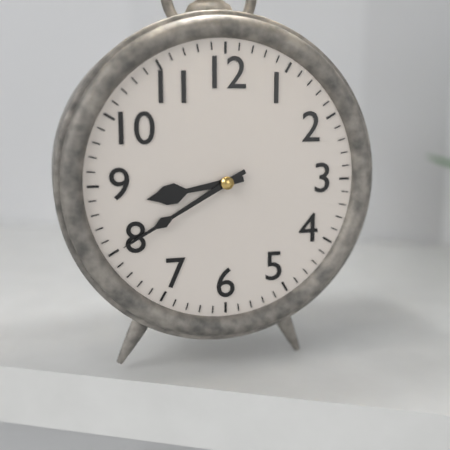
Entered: 8 h 40 min
